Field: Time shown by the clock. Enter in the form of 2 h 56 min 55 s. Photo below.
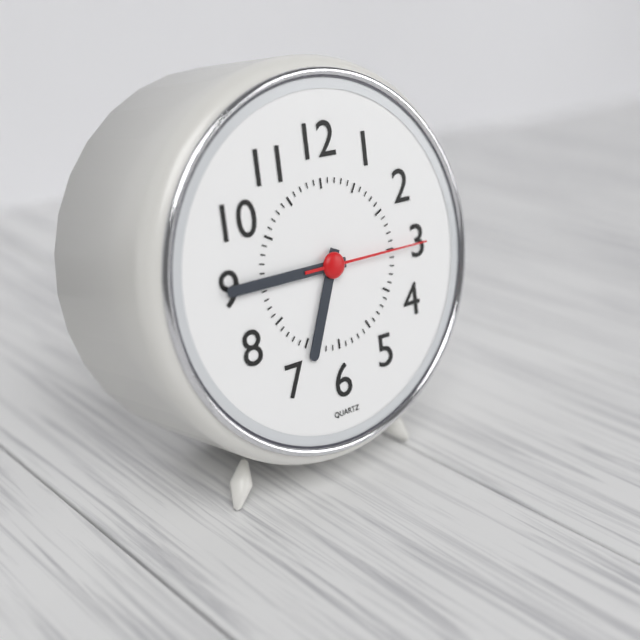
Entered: 6 h 45 min 15 s
